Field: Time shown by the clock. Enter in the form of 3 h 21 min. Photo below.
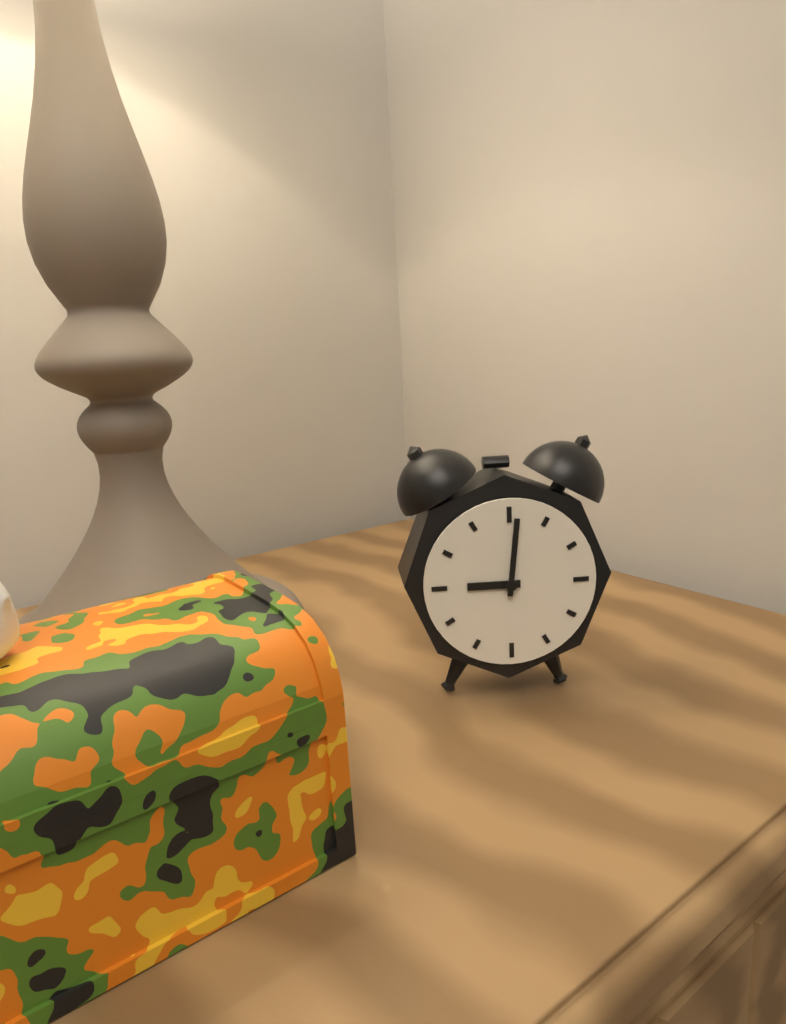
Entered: 9 h 01 min
